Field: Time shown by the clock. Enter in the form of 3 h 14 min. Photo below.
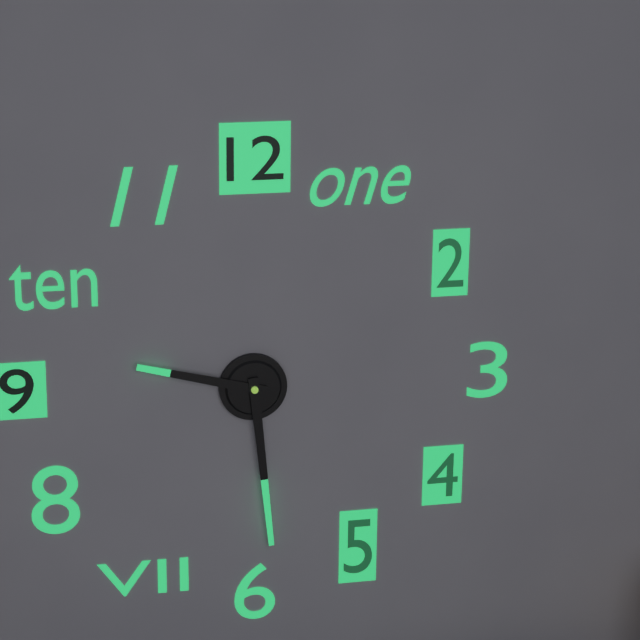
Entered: 9 h 29 min
